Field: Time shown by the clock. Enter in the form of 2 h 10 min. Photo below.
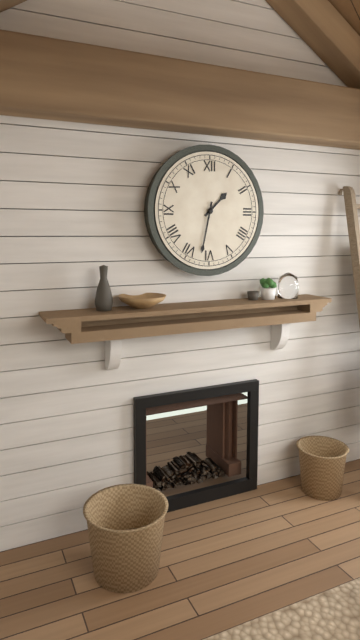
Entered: 1 h 32 min
